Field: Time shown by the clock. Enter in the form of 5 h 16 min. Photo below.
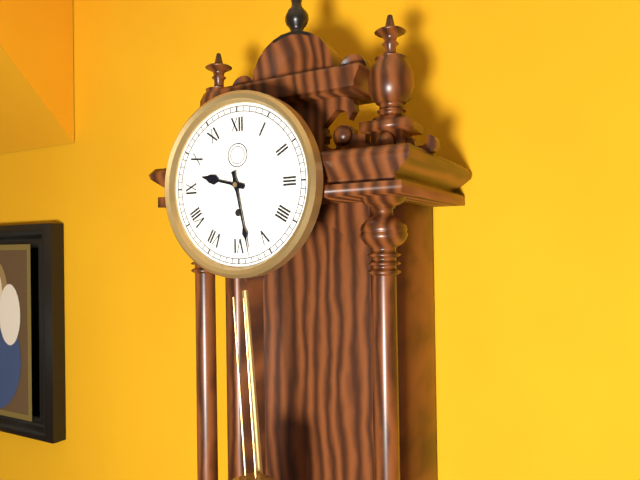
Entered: 9 h 28 min
